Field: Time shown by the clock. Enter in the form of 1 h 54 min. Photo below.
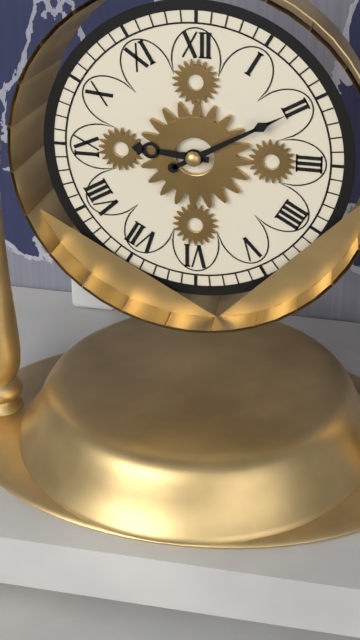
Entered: 9 h 10 min
